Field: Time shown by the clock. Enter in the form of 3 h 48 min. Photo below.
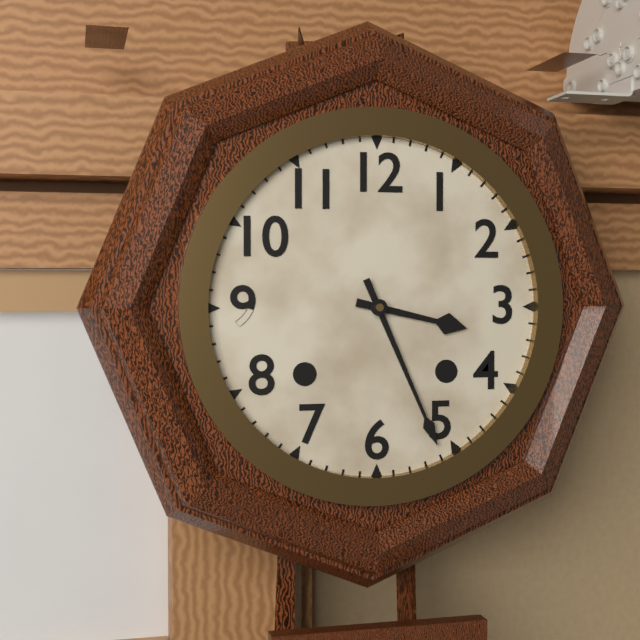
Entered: 3 h 26 min
